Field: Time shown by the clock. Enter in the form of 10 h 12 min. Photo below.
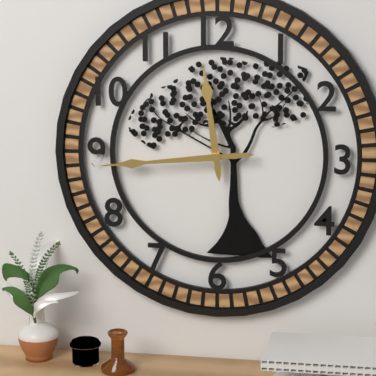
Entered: 11 h 44 min
